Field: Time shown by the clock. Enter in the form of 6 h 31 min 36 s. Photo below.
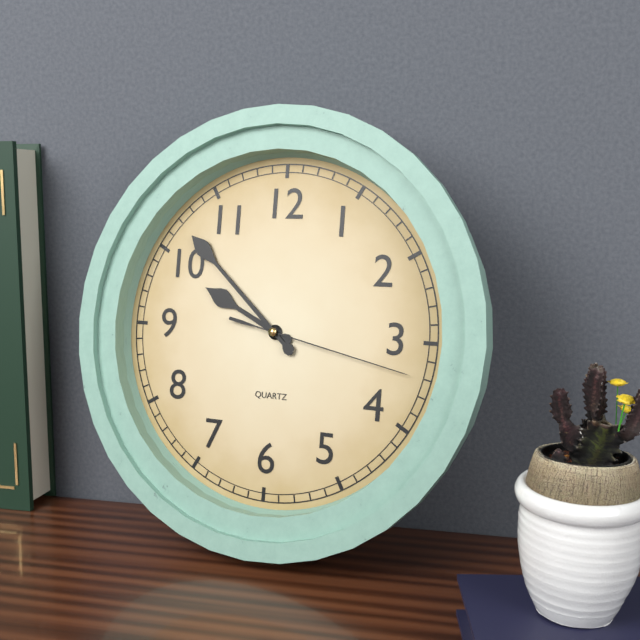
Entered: 9 h 52 min 17 s
